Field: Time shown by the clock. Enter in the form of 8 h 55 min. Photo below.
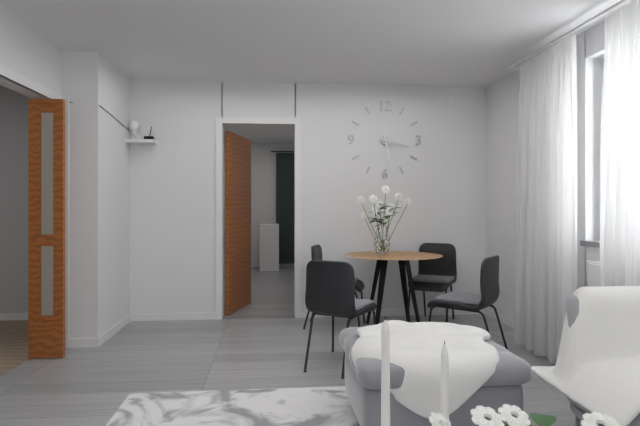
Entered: 3 h 28 min
